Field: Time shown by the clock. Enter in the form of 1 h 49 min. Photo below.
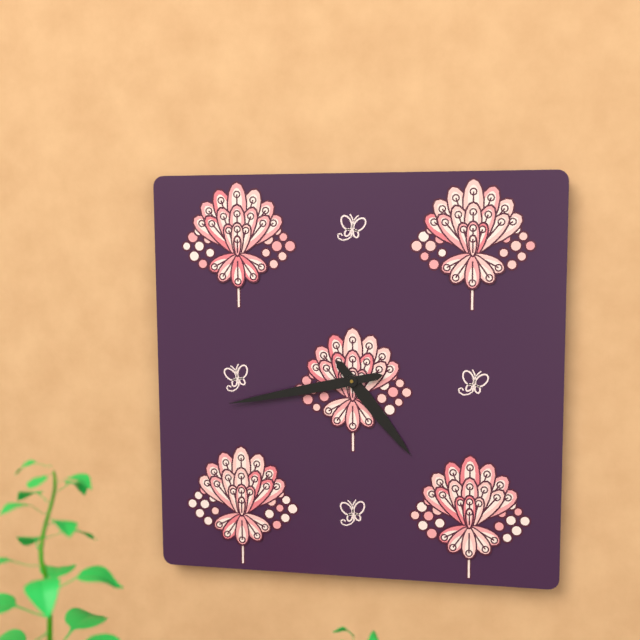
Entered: 4 h 43 min
